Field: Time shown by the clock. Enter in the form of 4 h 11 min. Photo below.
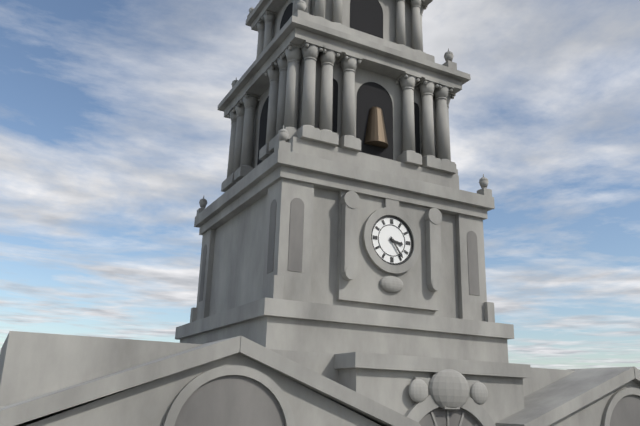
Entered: 3 h 24 min
